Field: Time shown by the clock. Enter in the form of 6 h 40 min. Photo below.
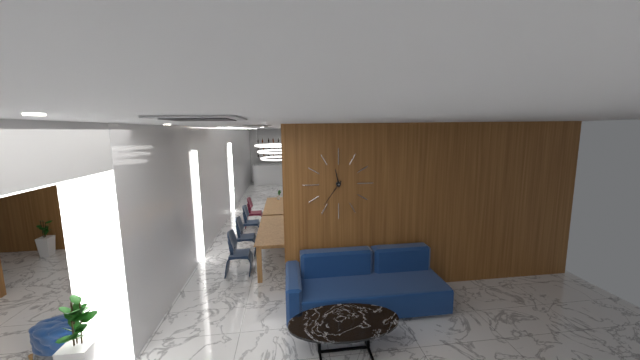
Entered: 11 h 36 min
